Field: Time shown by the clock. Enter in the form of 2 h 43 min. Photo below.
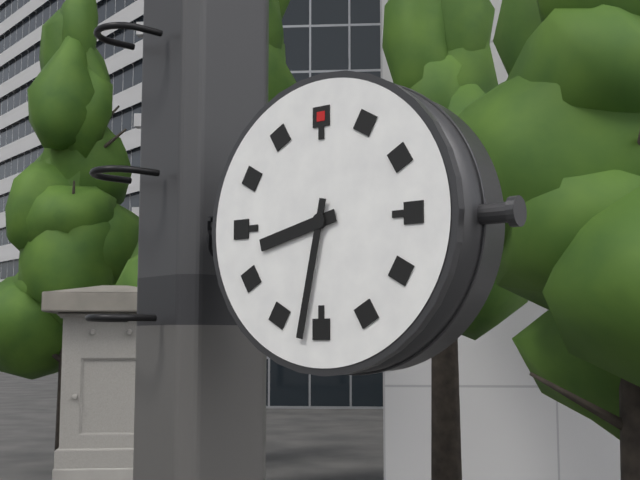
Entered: 8 h 32 min
